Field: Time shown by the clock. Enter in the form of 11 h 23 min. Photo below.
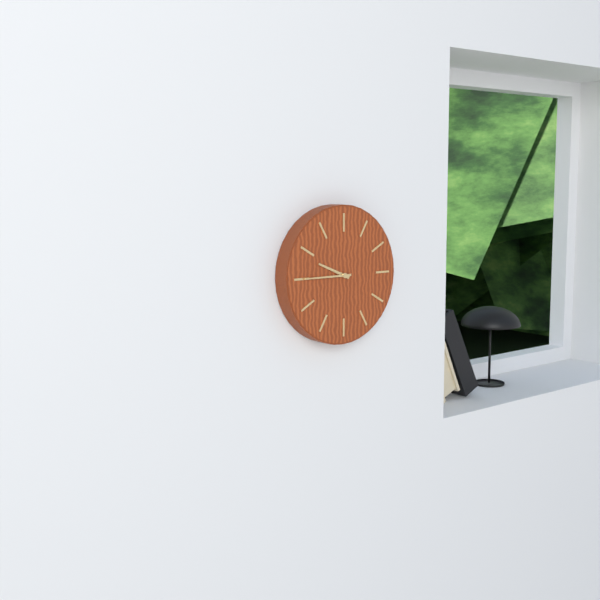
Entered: 9 h 45 min
